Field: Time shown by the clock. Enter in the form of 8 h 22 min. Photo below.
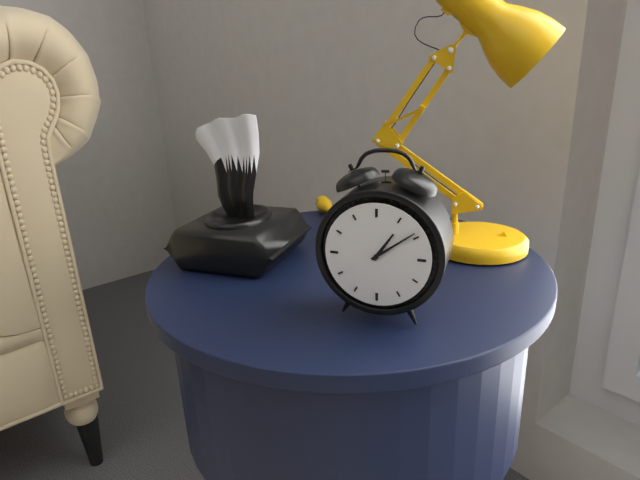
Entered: 1 h 09 min
